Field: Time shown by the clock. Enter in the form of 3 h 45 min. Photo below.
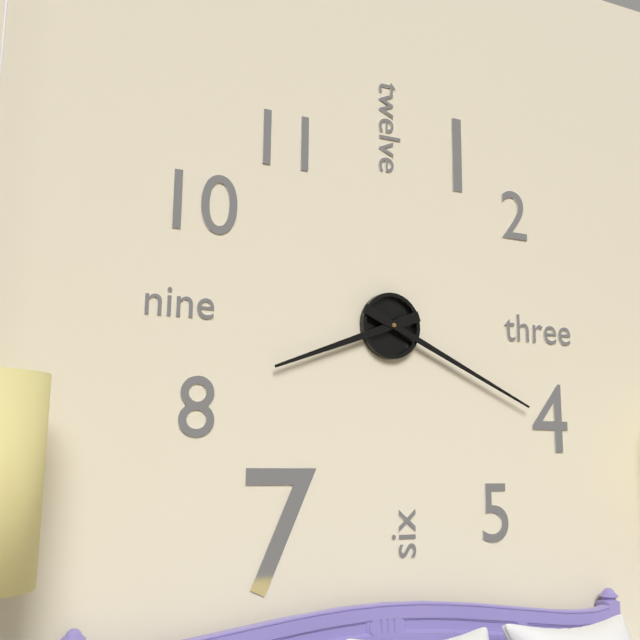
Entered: 8 h 19 min
